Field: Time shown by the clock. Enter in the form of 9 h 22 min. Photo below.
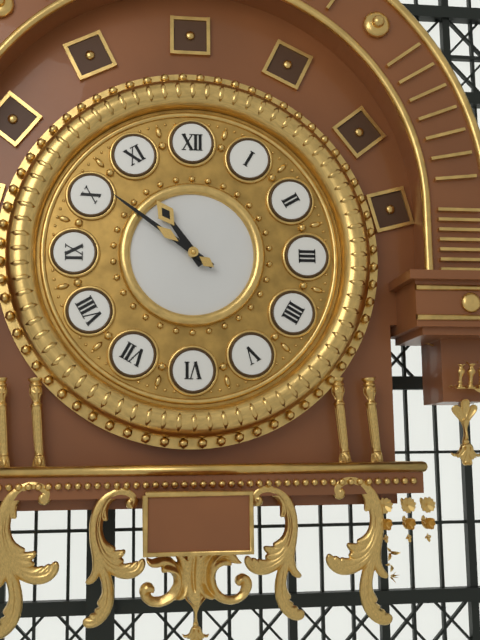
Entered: 10 h 51 min
